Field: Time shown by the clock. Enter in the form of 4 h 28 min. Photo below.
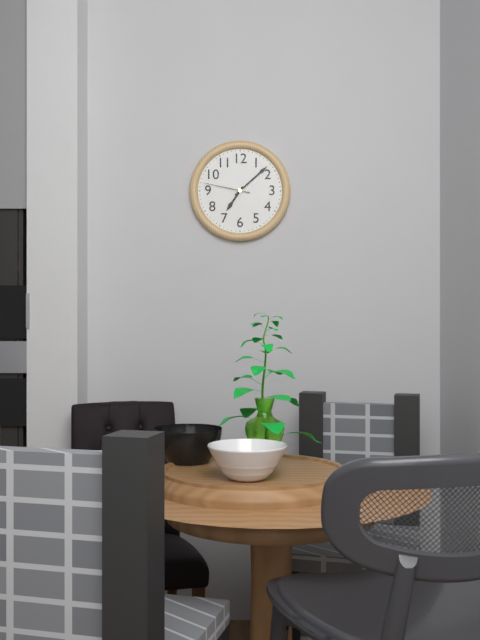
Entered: 7 h 08 min
